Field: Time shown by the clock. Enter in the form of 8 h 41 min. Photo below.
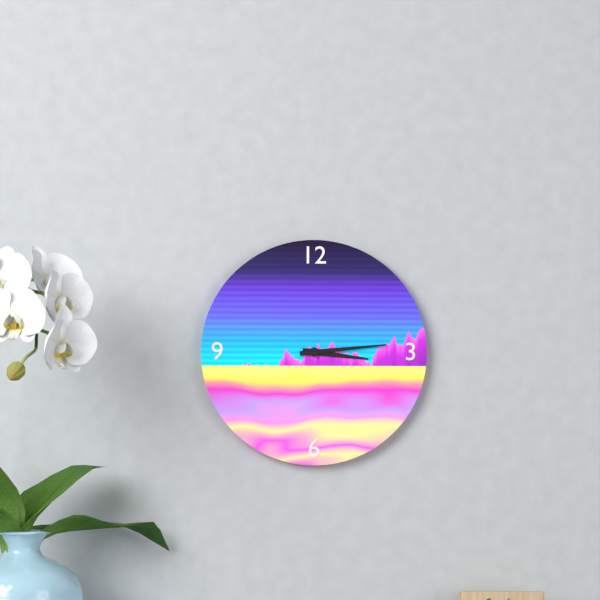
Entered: 3 h 14 min
